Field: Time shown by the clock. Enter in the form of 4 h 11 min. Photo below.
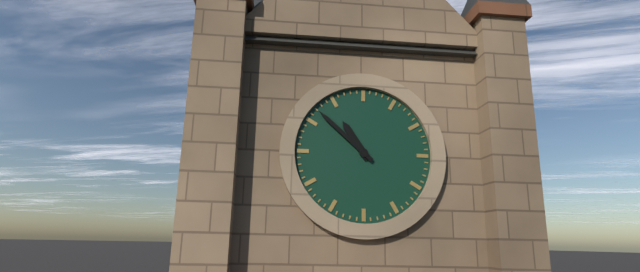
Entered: 10 h 52 min
